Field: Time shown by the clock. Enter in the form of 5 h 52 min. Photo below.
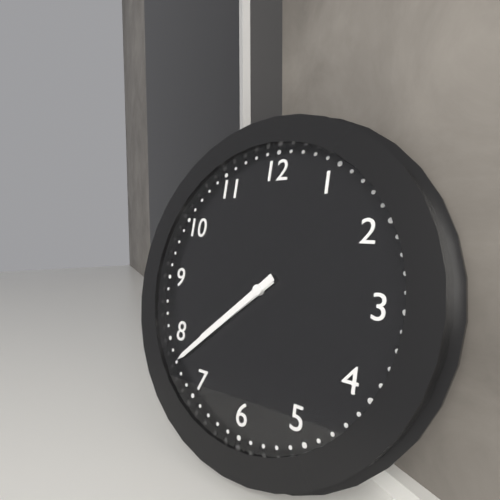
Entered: 7 h 38 min
